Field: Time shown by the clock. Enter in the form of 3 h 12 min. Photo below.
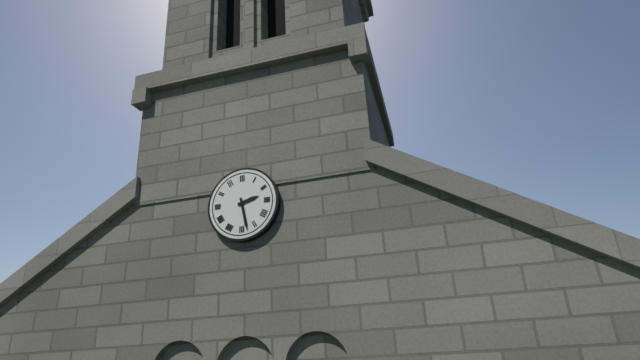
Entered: 2 h 28 min
